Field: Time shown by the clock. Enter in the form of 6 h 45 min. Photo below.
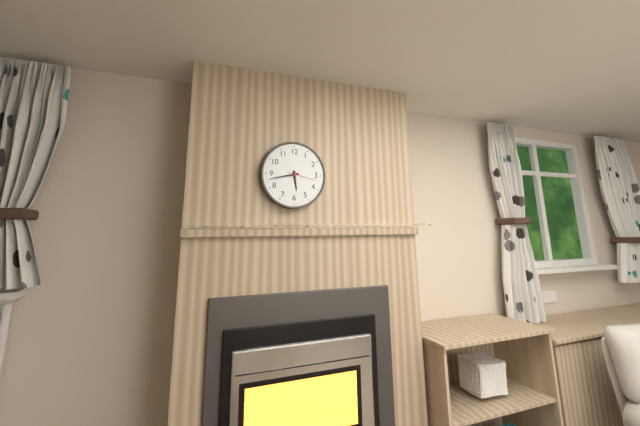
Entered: 5 h 43 min
